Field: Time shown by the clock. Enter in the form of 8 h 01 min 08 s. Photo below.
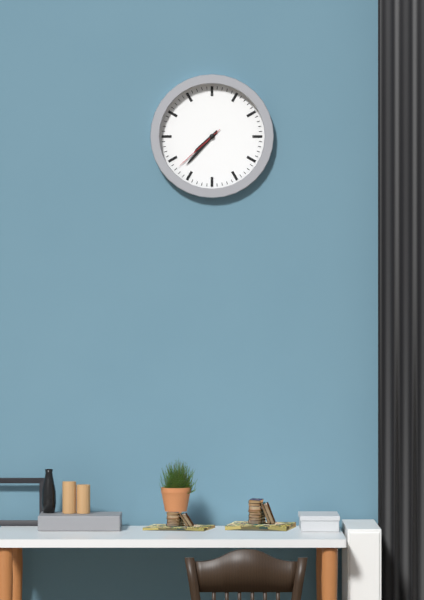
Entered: 7 h 37 min 38 s
